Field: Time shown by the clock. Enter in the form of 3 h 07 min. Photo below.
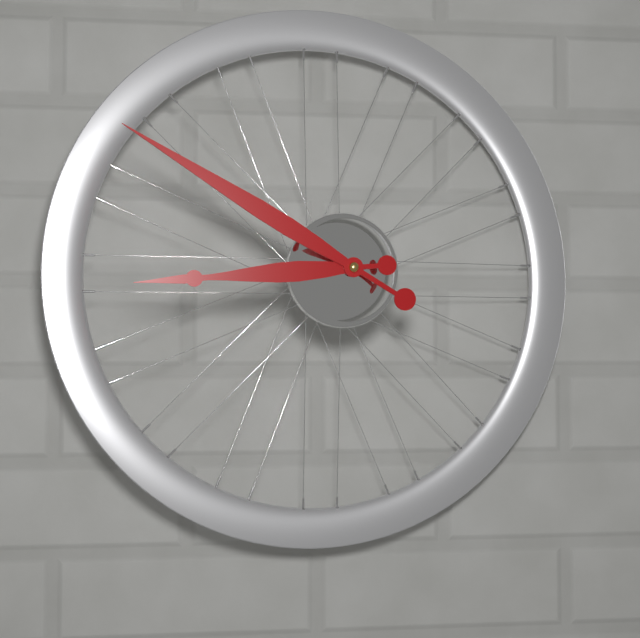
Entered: 8 h 50 min
